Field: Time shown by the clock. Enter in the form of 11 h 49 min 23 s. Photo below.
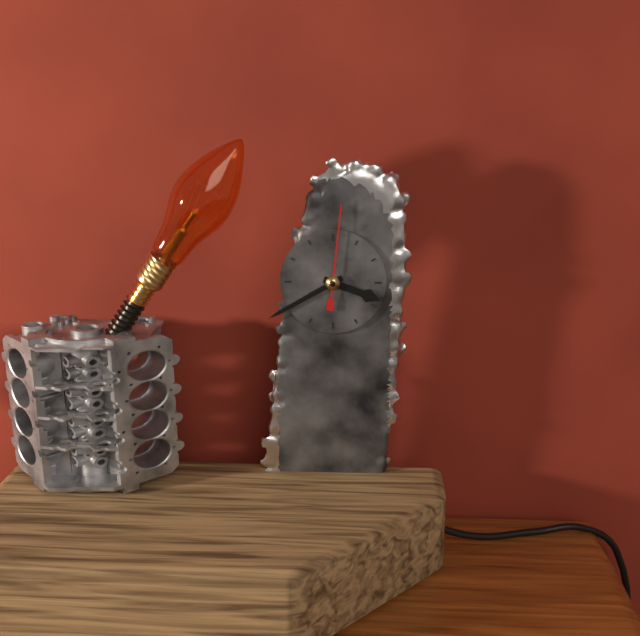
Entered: 3 h 40 min 01 s
